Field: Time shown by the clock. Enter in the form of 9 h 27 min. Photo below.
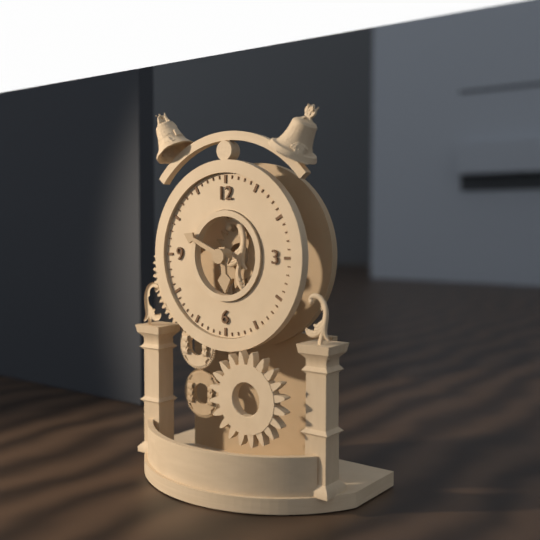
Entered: 5 h 49 min
